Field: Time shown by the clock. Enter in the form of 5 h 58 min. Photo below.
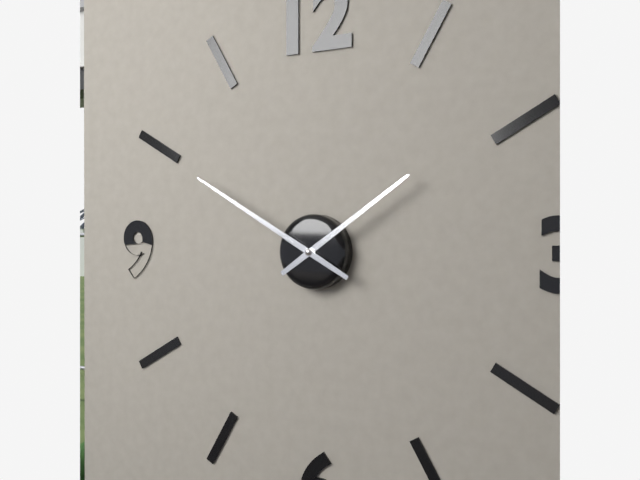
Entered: 1 h 50 min
